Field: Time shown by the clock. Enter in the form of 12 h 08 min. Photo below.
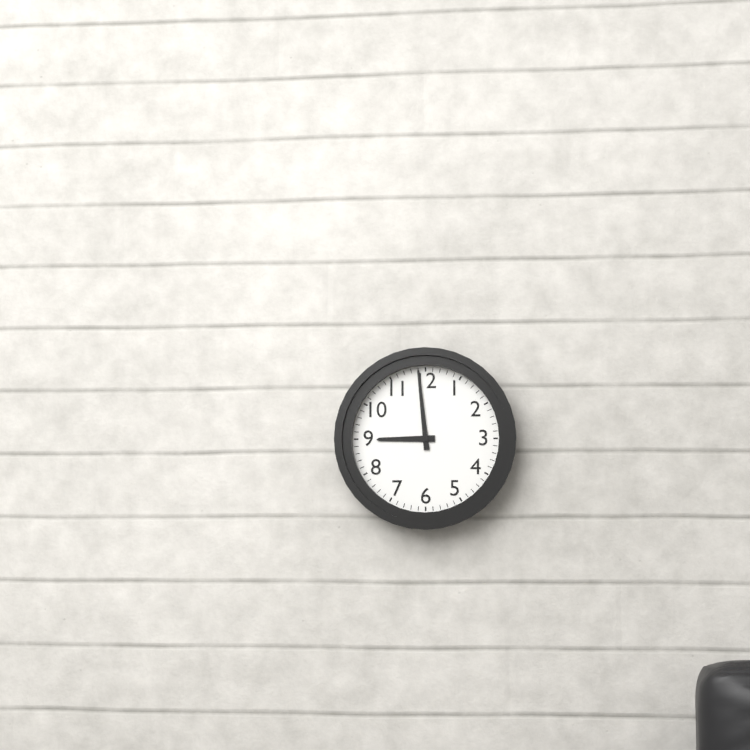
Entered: 8 h 59 min
